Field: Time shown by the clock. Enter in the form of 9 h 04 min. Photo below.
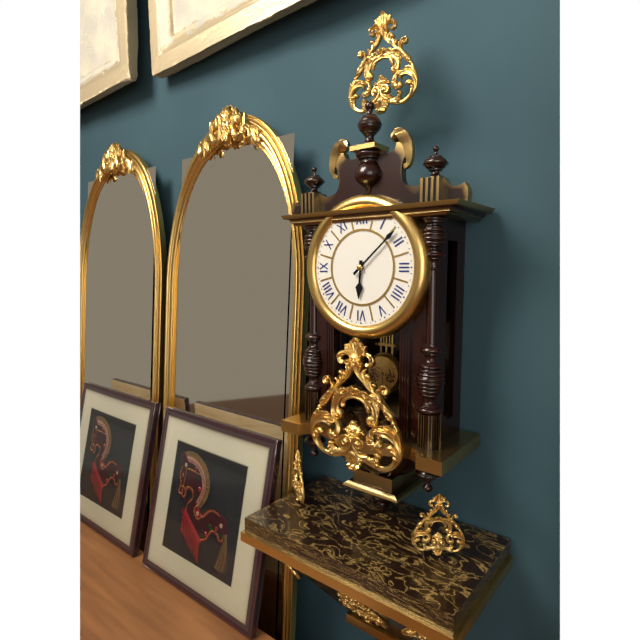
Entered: 6 h 08 min
